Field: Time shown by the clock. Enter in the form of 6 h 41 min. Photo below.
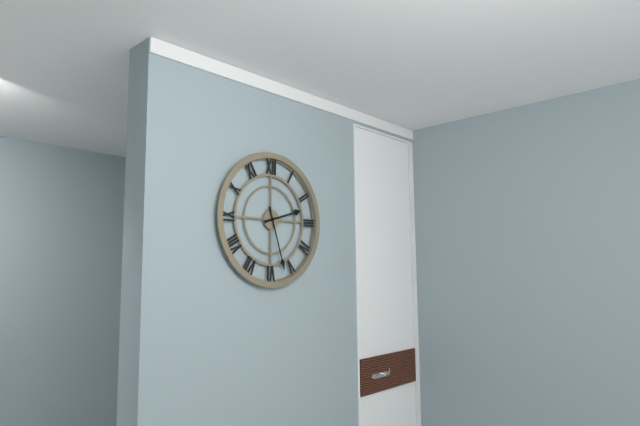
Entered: 2 h 27 min
